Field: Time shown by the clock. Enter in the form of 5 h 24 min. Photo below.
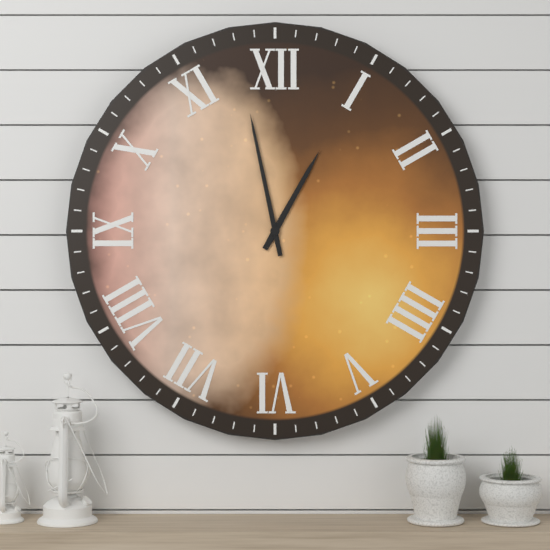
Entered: 12 h 58 min
